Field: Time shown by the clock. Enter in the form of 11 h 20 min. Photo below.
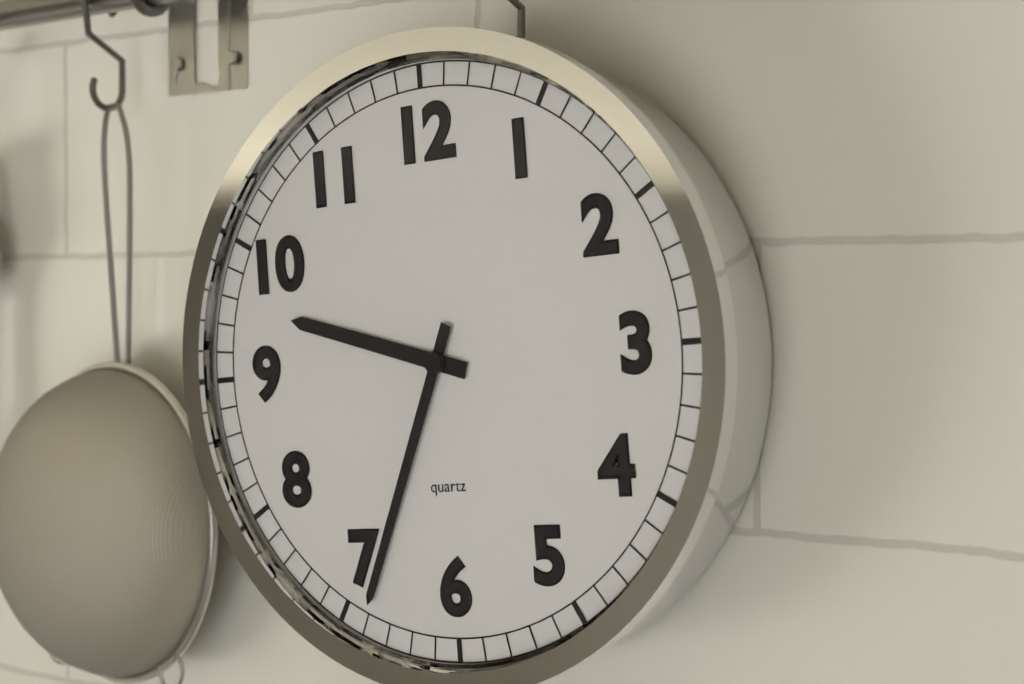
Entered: 9 h 34 min
